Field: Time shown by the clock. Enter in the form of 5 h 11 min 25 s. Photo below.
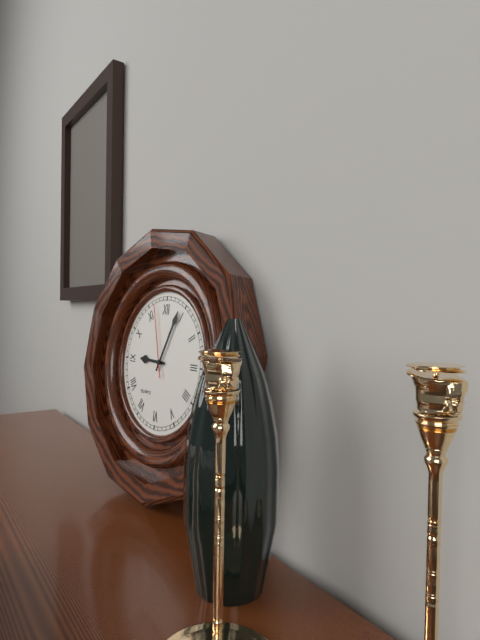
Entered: 9 h 04 min 57 s
